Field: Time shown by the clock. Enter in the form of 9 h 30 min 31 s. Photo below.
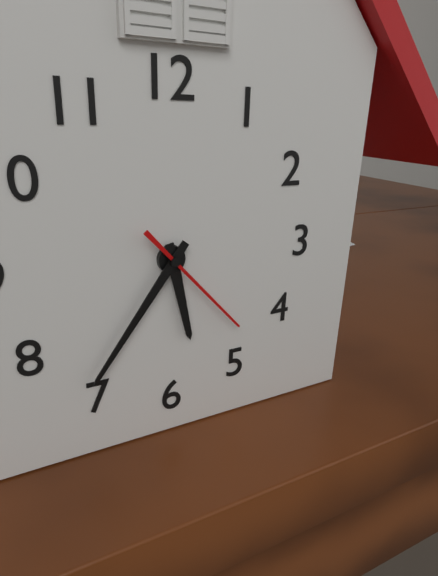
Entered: 5 h 36 min 23 s
